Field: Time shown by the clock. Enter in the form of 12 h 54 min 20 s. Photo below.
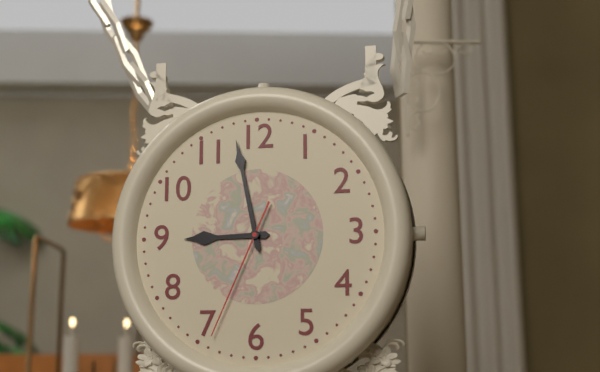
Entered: 8 h 58 min 34 s
